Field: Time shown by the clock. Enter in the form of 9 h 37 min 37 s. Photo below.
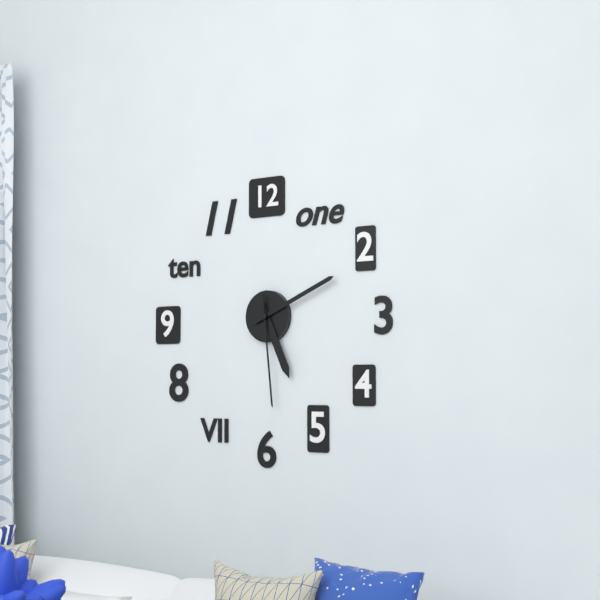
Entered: 5 h 11 min 29 s
